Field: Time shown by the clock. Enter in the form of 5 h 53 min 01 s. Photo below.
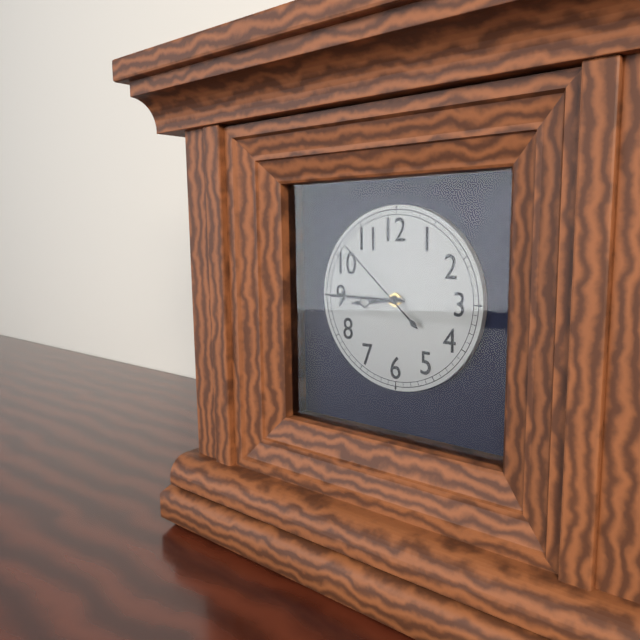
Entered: 8 h 45 min 52 s
